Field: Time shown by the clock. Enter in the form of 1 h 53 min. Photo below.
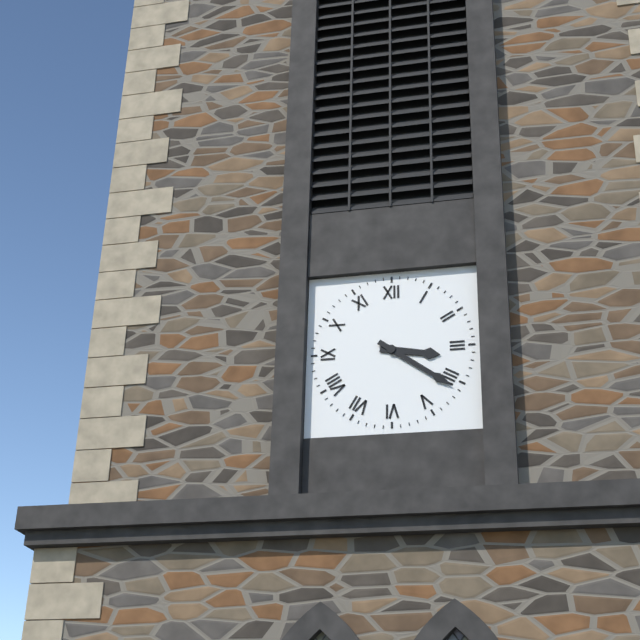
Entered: 3 h 21 min
